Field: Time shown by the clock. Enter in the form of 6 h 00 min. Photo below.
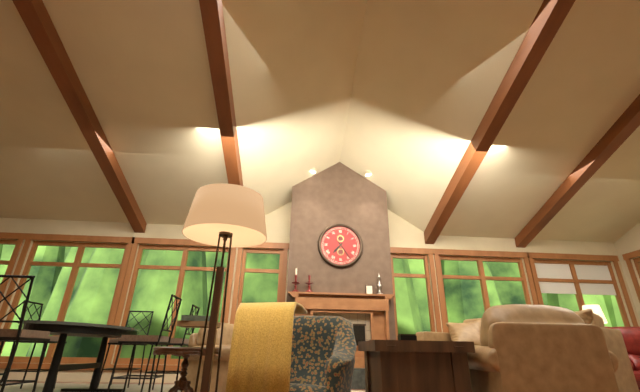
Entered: 7 h 24 min
